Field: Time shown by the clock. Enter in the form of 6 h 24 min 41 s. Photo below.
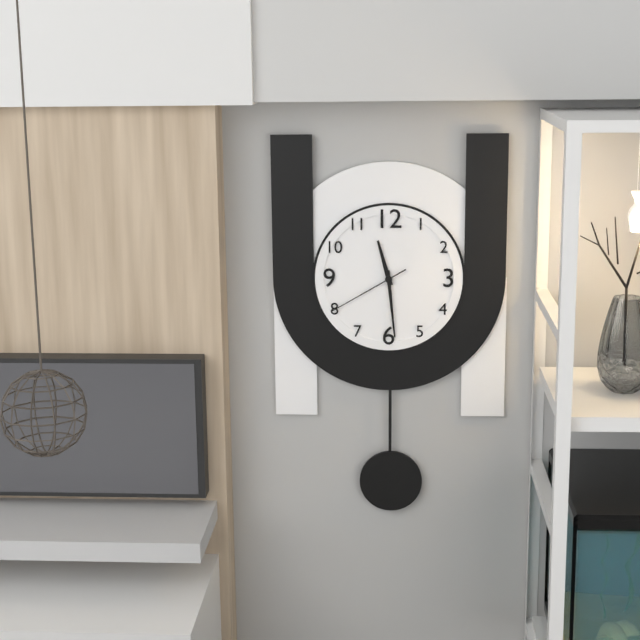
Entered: 11 h 29 min 40 s
